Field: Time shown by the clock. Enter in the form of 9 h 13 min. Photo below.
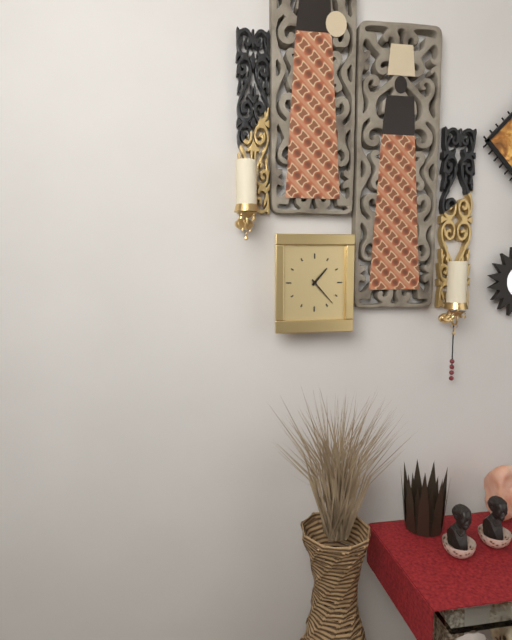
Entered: 1 h 23 min
